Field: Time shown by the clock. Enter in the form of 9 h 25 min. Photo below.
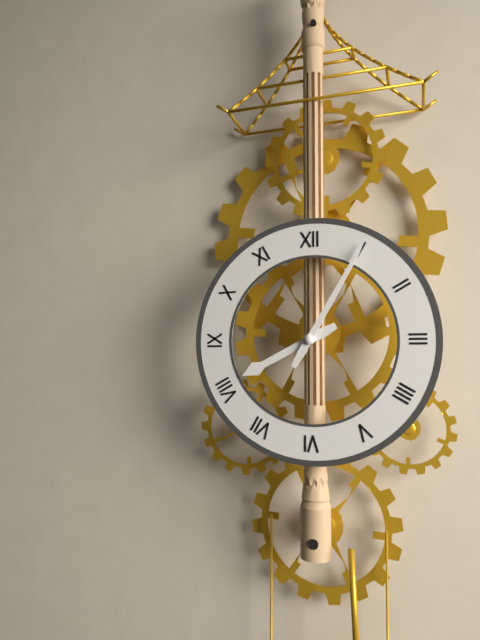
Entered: 8 h 05 min
